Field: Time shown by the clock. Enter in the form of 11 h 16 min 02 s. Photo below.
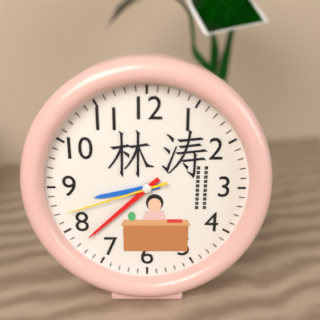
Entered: 8 h 38 min 42 s
